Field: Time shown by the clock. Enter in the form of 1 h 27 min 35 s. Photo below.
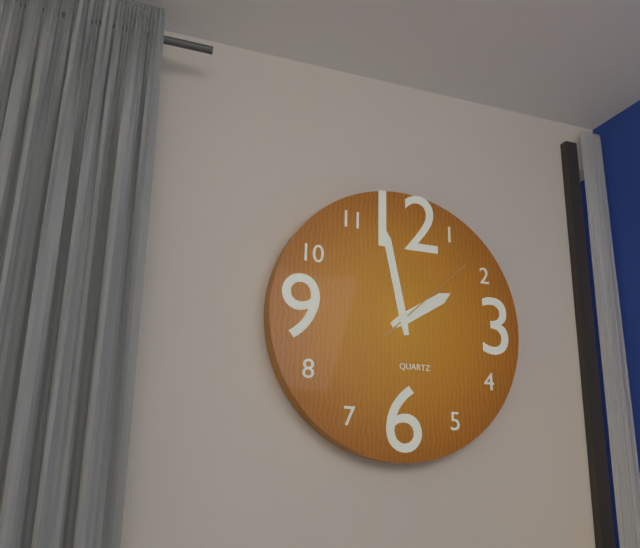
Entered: 1 h 58 min 08 s
